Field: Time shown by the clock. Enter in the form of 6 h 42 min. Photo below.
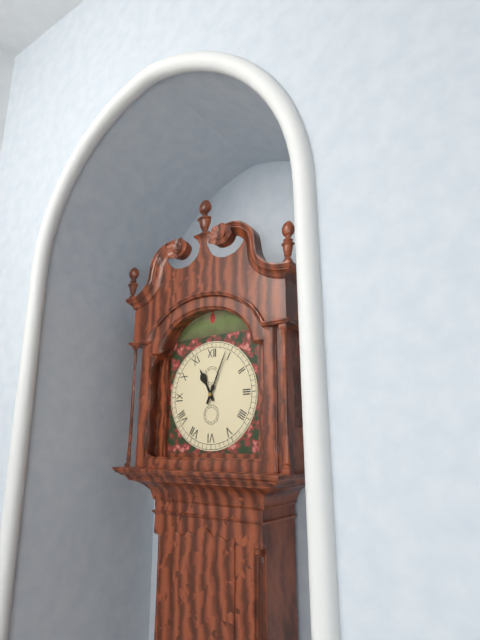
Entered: 11 h 04 min
